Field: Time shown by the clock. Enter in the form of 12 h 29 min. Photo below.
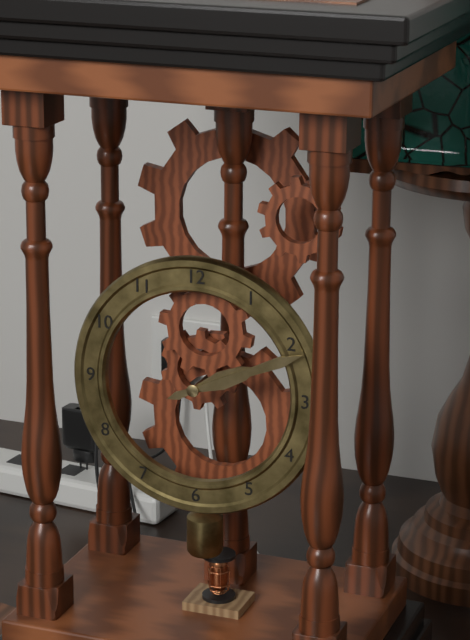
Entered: 2 h 11 min
